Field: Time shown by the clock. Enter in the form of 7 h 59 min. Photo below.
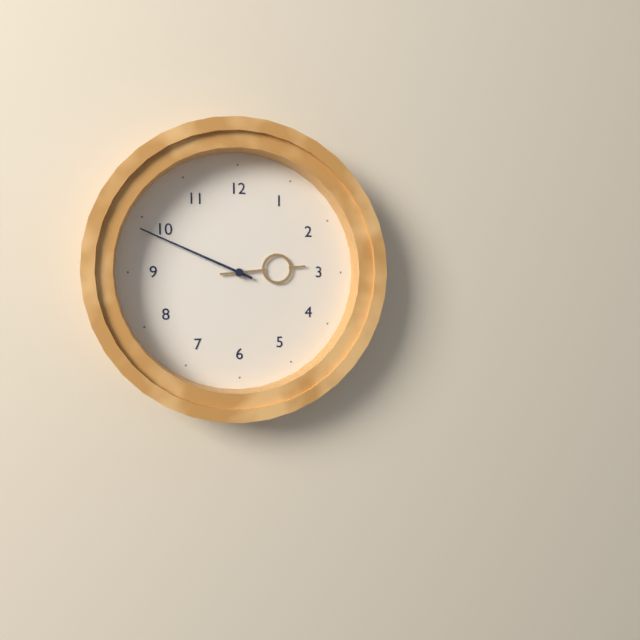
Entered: 2 h 49 min
